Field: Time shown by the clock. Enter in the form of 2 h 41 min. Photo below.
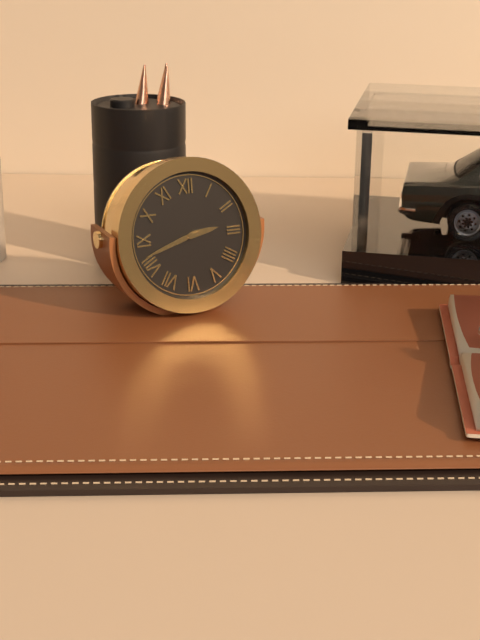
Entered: 2 h 42 min
